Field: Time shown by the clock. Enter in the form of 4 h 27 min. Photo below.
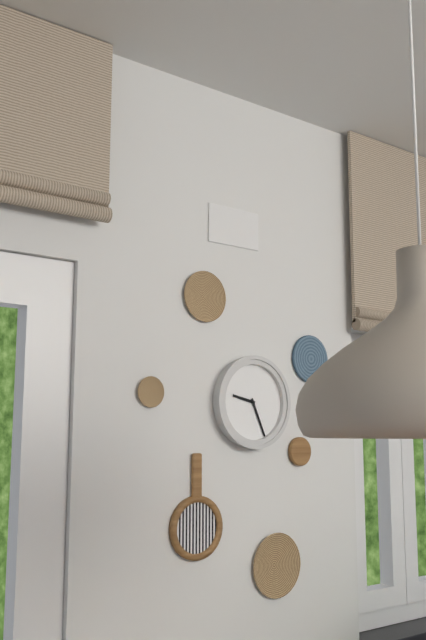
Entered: 9 h 26 min
